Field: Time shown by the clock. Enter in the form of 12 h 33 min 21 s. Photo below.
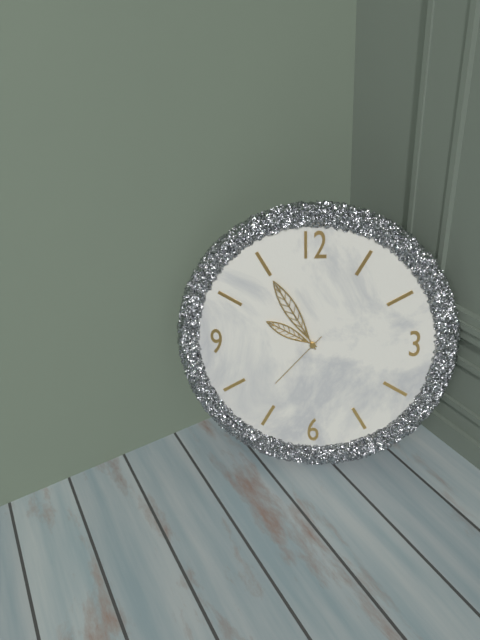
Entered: 9 h 55 min 37 s
